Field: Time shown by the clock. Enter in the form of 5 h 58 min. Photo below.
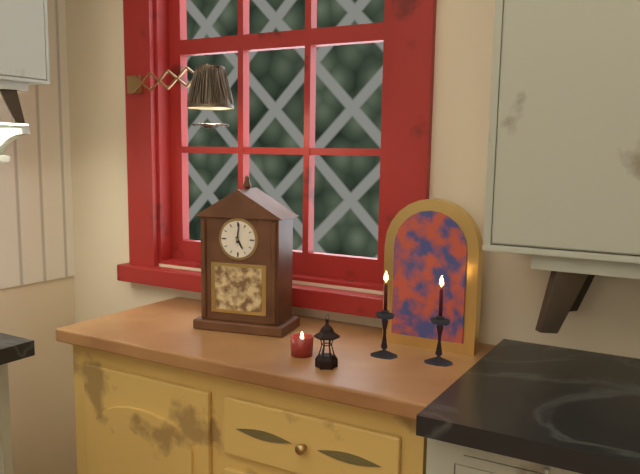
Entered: 5 h 01 min
